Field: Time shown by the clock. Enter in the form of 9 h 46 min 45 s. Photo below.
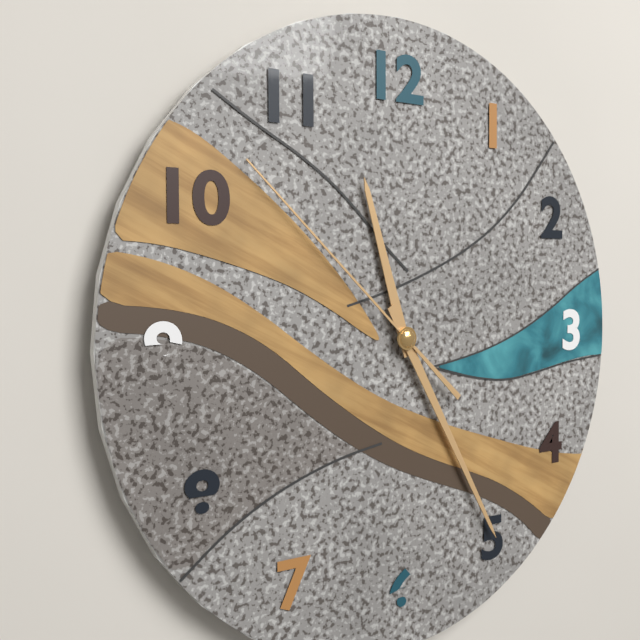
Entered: 11 h 25 min 52 s
